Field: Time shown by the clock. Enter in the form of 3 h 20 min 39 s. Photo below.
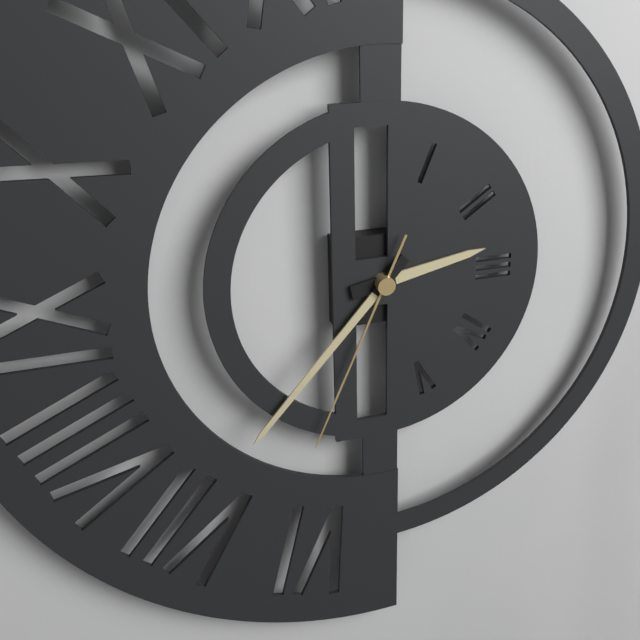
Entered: 2 h 37 min 34 s
